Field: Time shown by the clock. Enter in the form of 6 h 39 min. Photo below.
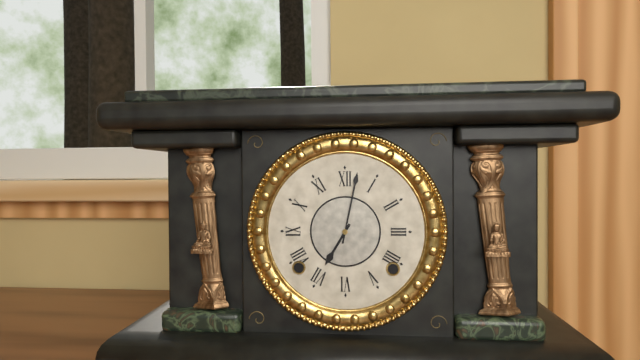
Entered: 7 h 02 min
